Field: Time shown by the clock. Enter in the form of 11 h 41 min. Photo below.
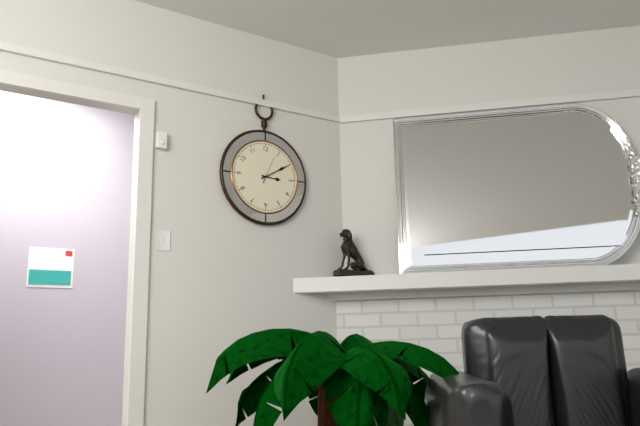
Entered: 3 h 10 min
